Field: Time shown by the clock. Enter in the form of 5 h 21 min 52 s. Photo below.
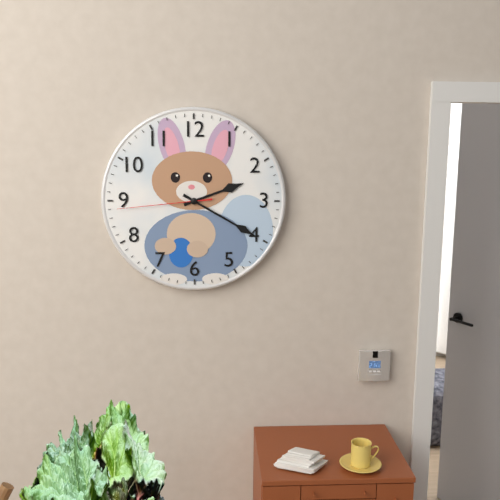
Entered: 2 h 20 min 44 s
